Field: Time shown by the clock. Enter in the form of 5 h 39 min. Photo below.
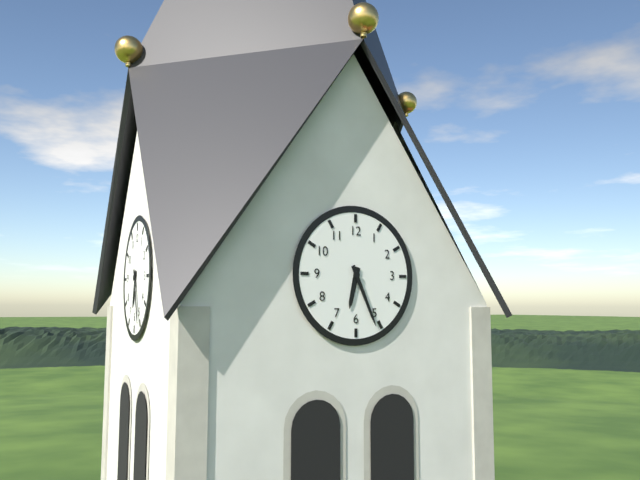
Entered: 6 h 26 min
